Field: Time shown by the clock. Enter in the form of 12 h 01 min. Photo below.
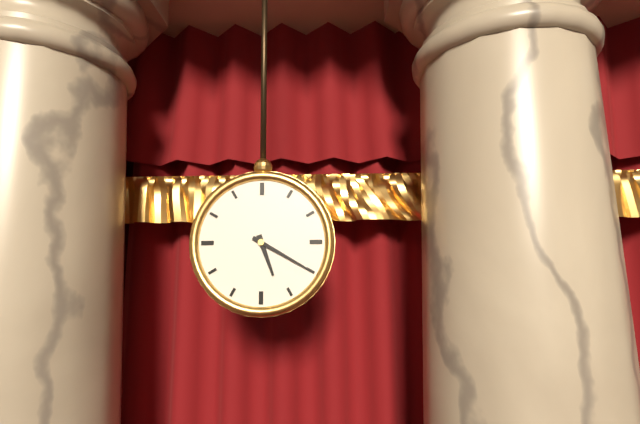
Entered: 5 h 20 min
